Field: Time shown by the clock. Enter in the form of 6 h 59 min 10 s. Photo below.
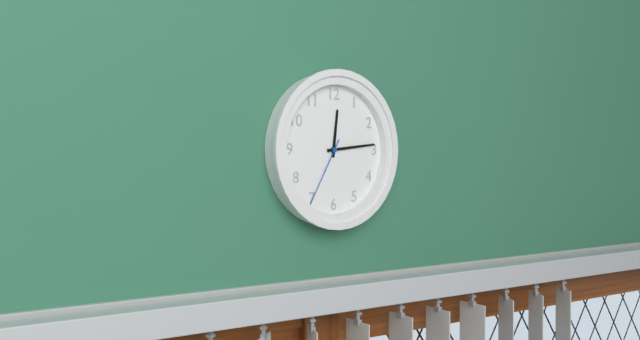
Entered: 12 h 14 min 35 s
